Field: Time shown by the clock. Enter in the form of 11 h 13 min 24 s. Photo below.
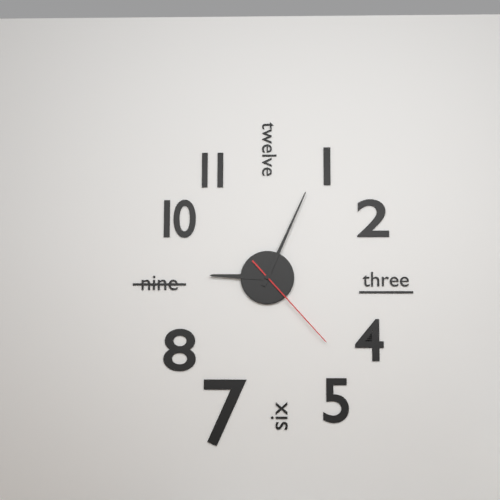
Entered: 9 h 04 min 23 s
